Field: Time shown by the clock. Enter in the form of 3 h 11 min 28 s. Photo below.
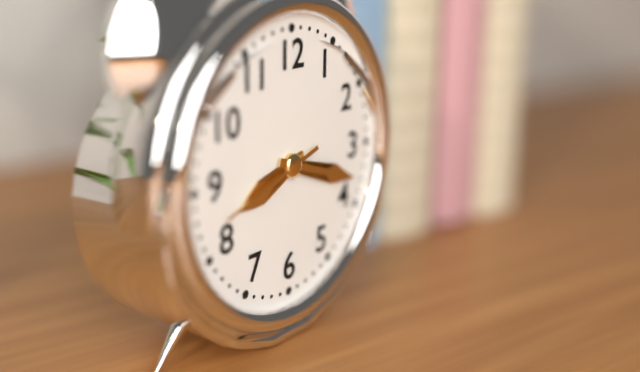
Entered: 8 h 18 min 42 s
